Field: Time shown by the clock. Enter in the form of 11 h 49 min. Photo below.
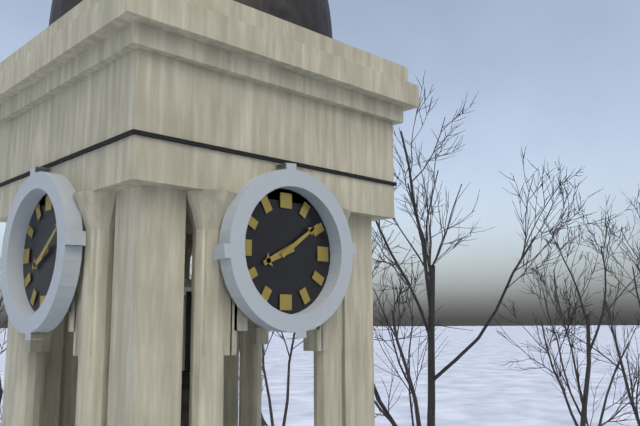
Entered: 8 h 09 min
